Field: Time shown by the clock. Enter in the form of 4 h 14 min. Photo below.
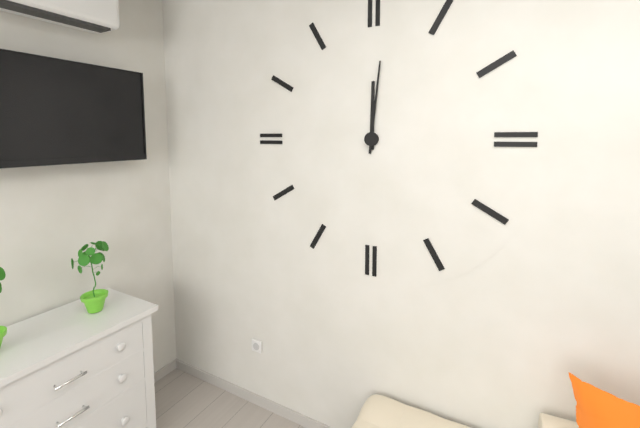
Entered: 12 h 01 min
